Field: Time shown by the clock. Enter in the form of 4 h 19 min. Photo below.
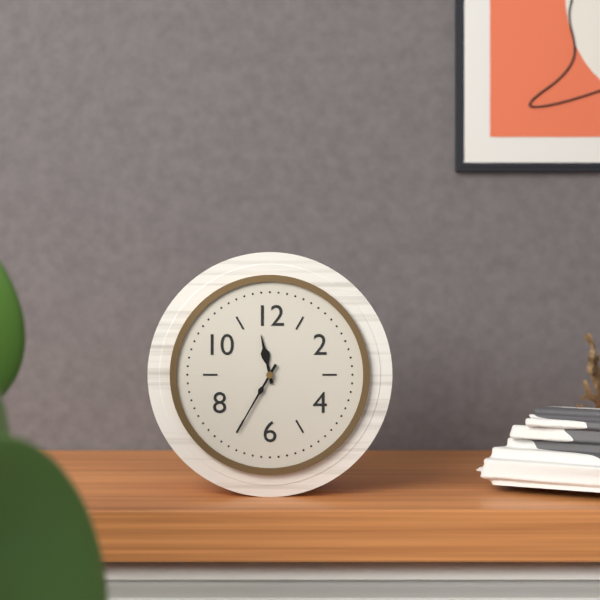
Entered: 11 h 35 min
